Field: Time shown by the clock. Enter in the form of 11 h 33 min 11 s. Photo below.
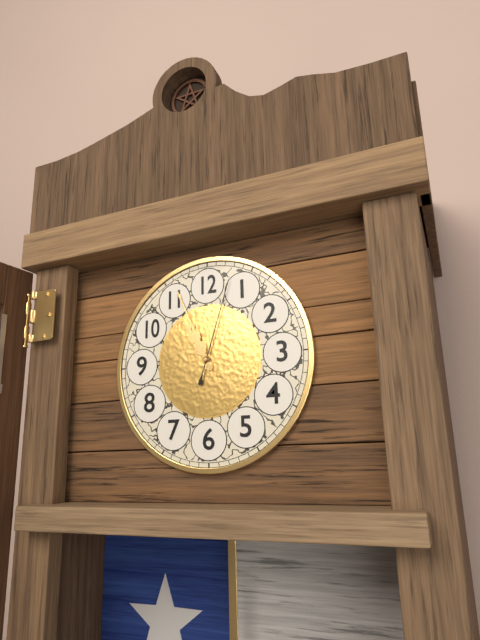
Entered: 10 h 56 min 03 s
